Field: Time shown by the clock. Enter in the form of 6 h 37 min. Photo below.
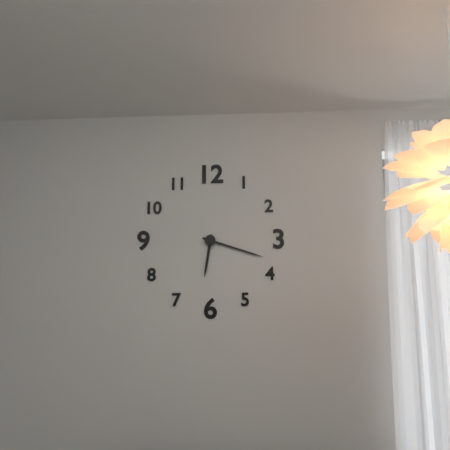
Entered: 6 h 18 min
